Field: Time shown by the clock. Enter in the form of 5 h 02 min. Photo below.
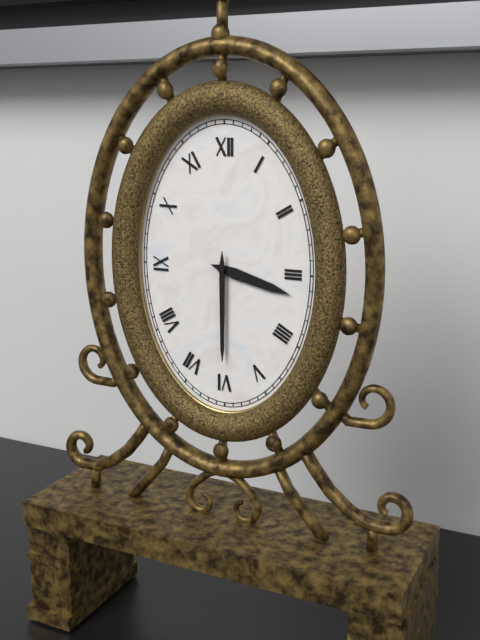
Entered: 3 h 30 min
